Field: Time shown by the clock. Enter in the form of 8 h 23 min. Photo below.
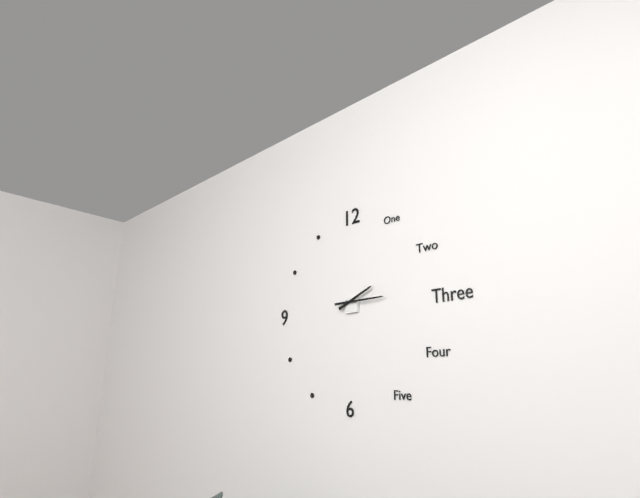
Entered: 2 h 15 min
